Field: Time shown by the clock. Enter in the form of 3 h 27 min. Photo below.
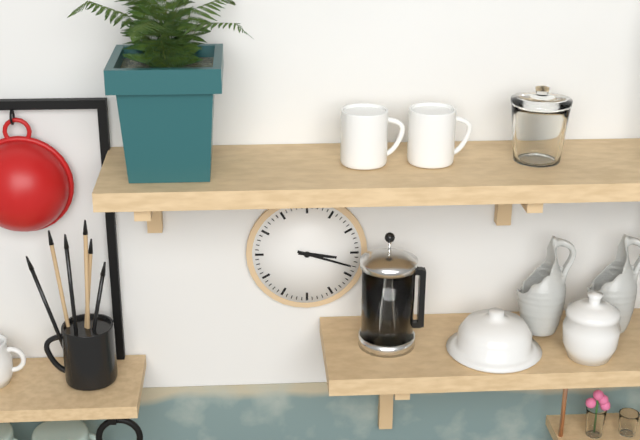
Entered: 3 h 18 min
